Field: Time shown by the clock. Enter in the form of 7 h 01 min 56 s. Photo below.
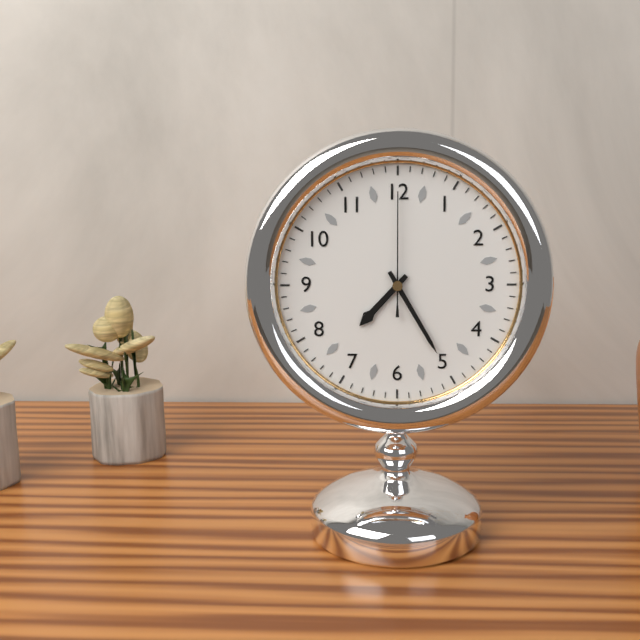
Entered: 7 h 25 min 00 s
